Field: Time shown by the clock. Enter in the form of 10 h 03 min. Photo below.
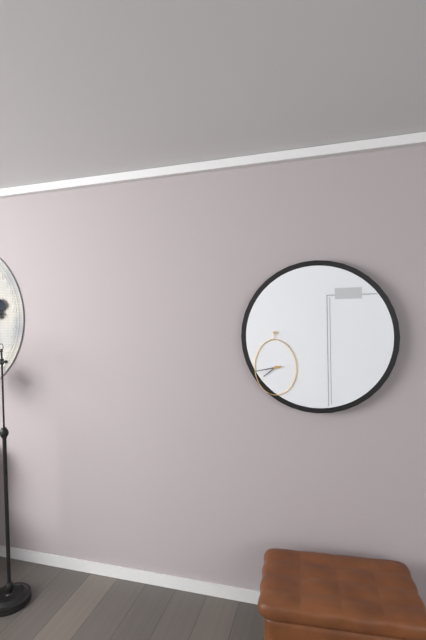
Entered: 7 h 43 min
